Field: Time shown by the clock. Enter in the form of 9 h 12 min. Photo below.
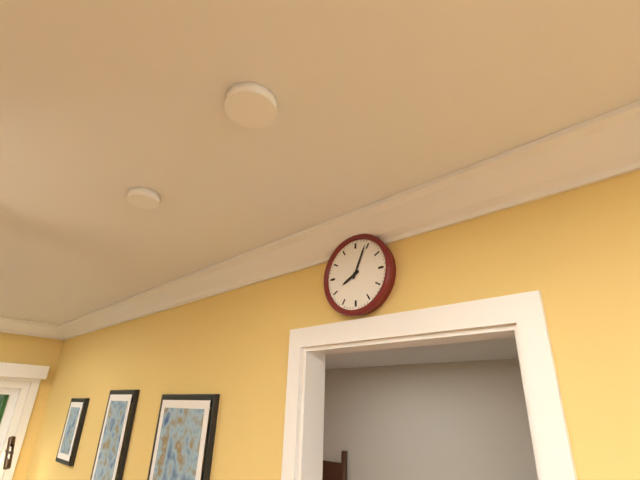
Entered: 8 h 04 min
